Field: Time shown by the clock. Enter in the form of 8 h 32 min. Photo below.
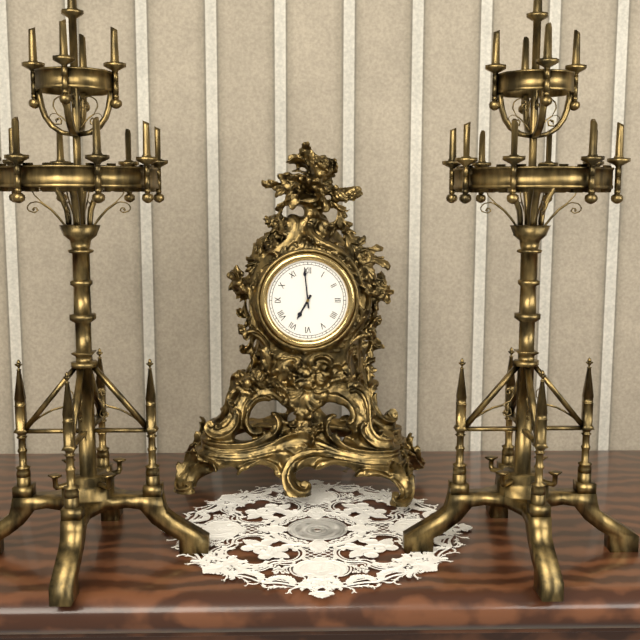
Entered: 6 h 59 min
